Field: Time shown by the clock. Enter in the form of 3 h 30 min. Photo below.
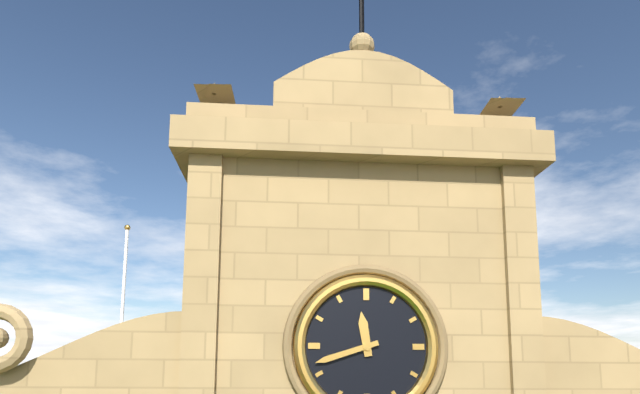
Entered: 11 h 42 min
